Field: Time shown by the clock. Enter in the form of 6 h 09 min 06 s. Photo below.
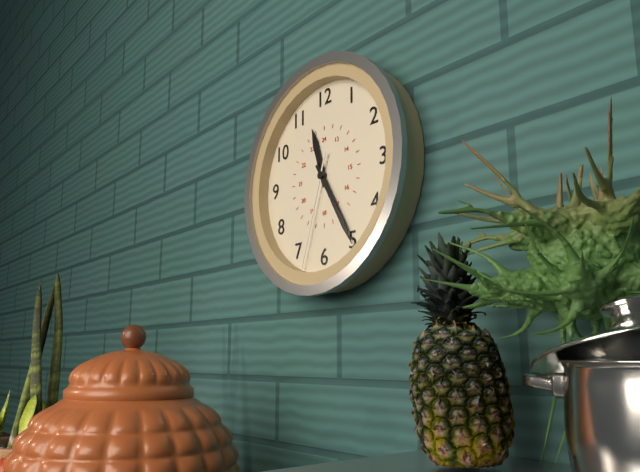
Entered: 11 h 25 min 33 s
